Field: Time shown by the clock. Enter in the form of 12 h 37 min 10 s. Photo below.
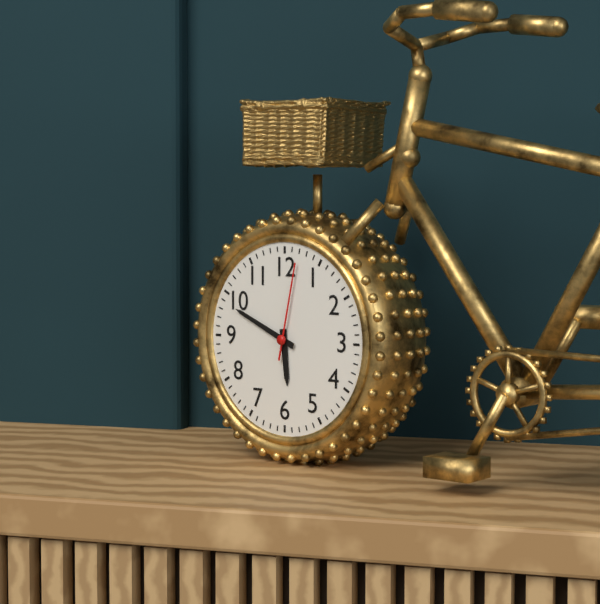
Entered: 5 h 49 min 02 s
